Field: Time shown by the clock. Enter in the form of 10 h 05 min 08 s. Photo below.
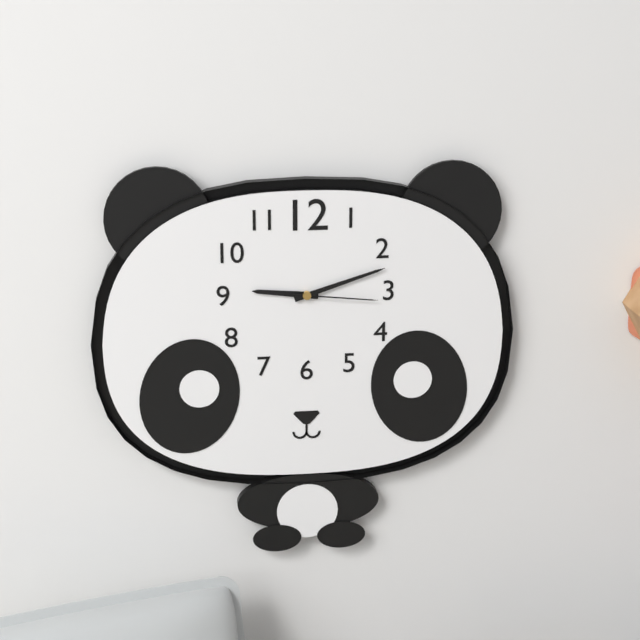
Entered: 9 h 12 min 16 s
